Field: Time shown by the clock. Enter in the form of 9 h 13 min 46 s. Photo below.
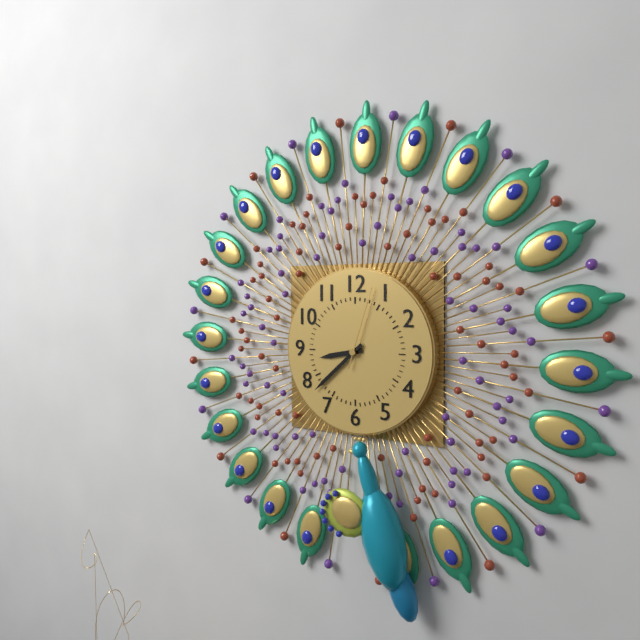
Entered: 8 h 38 min 03 s
